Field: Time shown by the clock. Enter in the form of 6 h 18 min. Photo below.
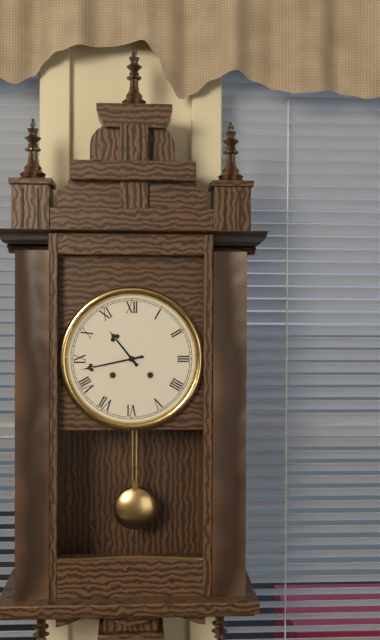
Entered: 10 h 43 min
